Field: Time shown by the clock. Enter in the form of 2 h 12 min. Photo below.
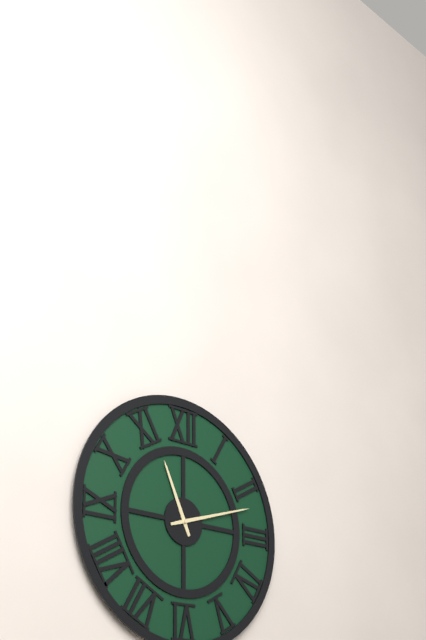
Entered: 11 h 12 min
